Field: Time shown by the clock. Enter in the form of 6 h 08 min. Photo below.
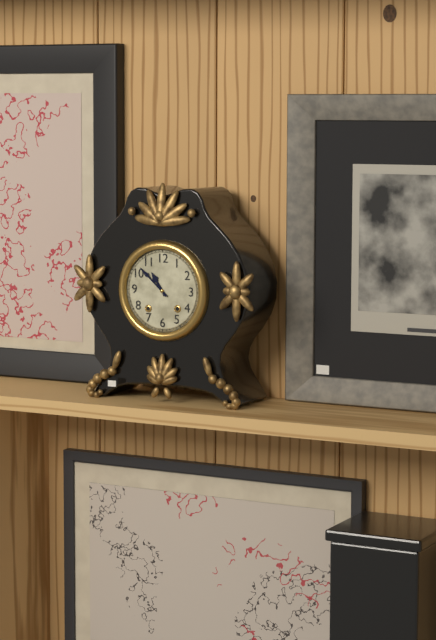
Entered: 10 h 52 min
